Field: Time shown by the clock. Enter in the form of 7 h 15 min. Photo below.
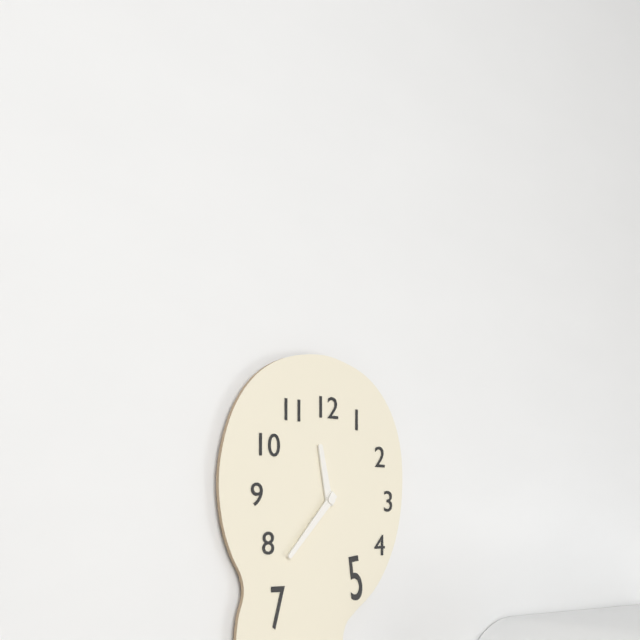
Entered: 11 h 37 min
